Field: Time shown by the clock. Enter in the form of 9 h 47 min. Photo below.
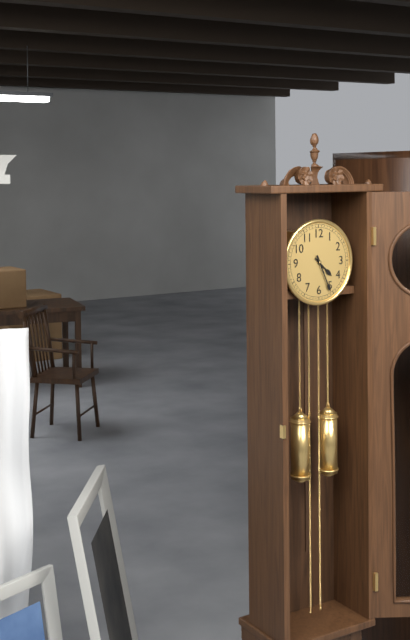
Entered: 4 h 26 min
